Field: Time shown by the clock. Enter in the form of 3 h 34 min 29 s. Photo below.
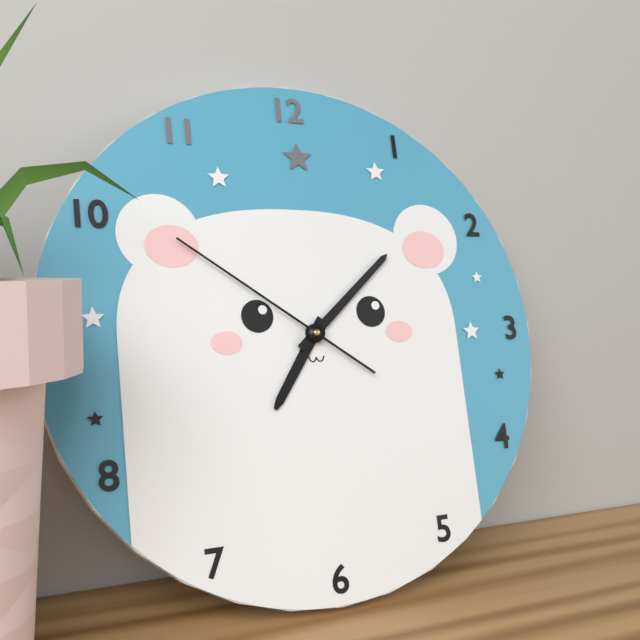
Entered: 7 h 08 min 51 s
